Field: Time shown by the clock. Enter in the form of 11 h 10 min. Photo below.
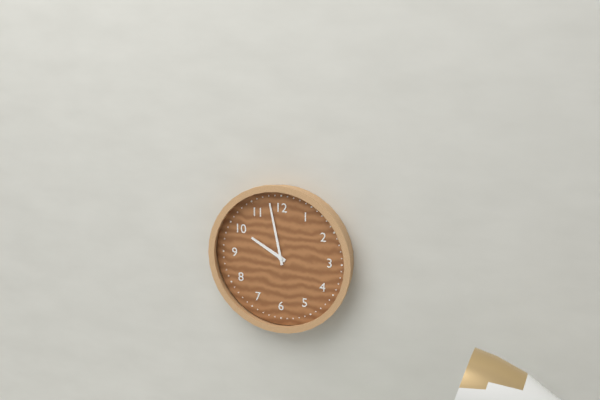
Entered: 9 h 58 min
